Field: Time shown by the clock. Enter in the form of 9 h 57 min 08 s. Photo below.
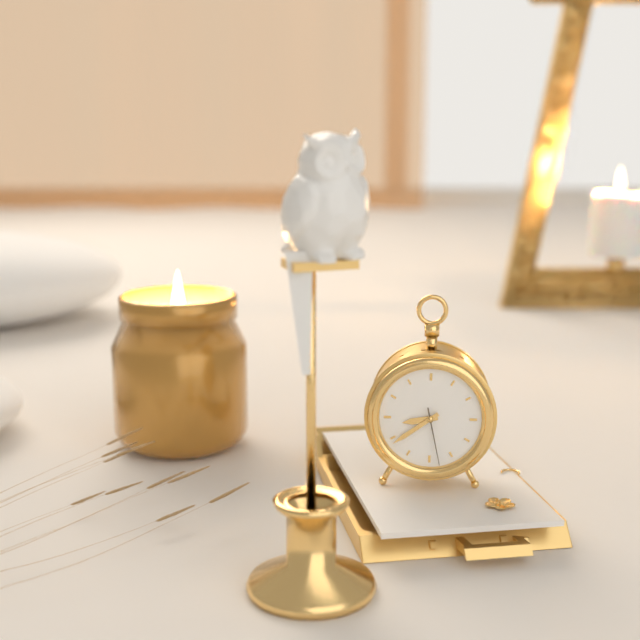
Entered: 8 h 39 min 28 s
